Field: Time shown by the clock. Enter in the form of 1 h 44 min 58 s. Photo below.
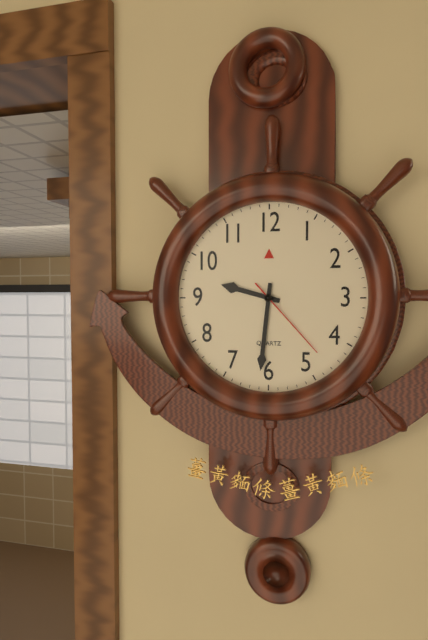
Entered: 9 h 31 min 23 s
